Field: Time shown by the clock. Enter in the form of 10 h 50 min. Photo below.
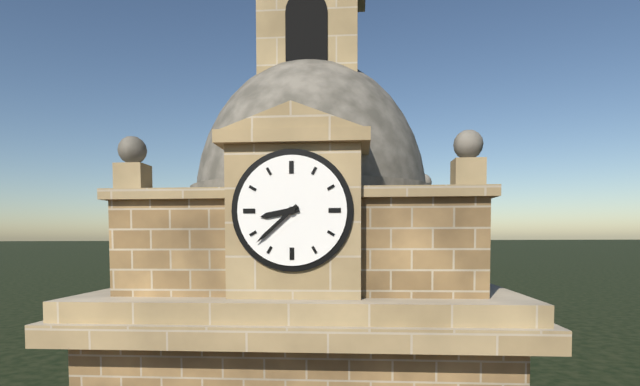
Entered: 8 h 38 min
